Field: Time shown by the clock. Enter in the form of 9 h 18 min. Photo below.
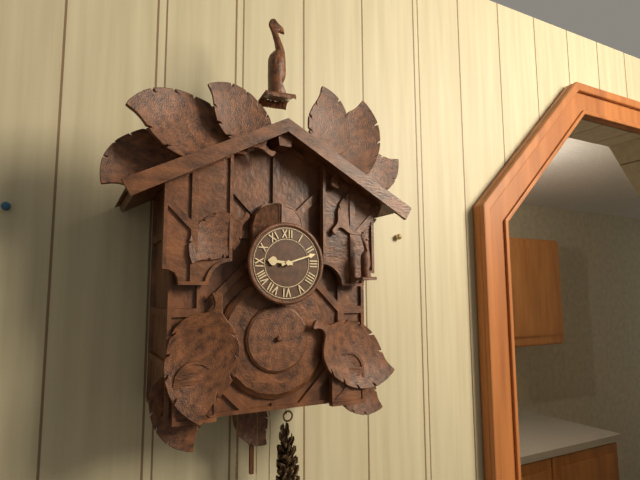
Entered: 9 h 12 min
